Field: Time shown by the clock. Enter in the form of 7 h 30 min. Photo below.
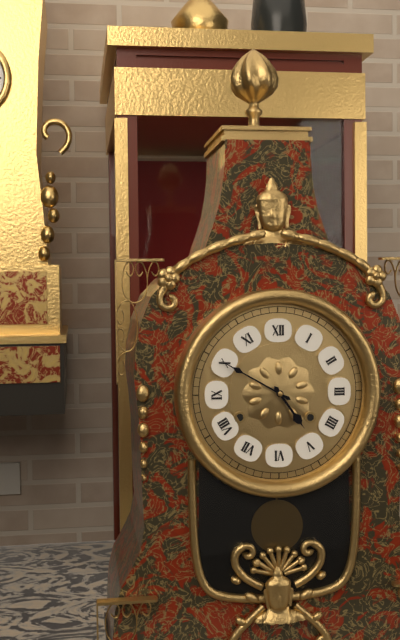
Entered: 4 h 50 min
